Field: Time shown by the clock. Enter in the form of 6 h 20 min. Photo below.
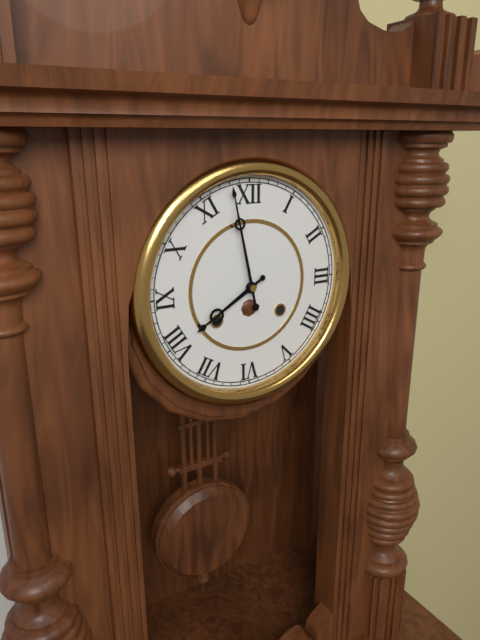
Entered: 7 h 58 min
